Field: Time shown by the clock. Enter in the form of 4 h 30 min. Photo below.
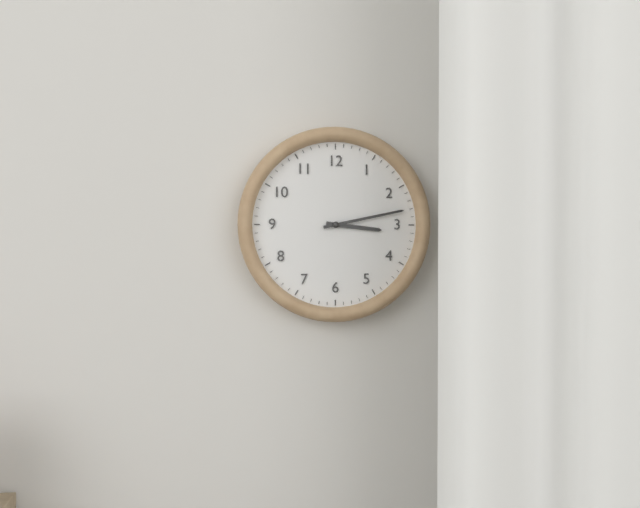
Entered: 3 h 13 min
